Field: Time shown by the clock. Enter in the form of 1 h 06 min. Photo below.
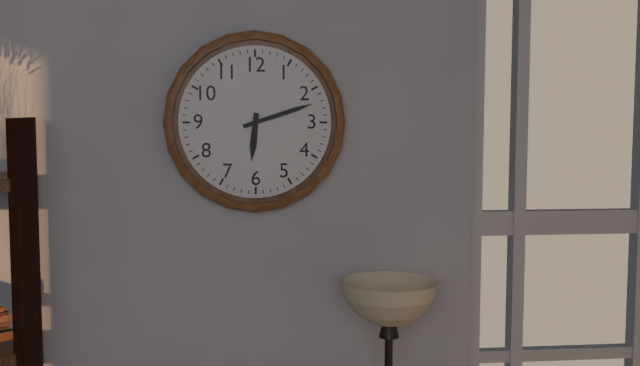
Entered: 6 h 12 min
